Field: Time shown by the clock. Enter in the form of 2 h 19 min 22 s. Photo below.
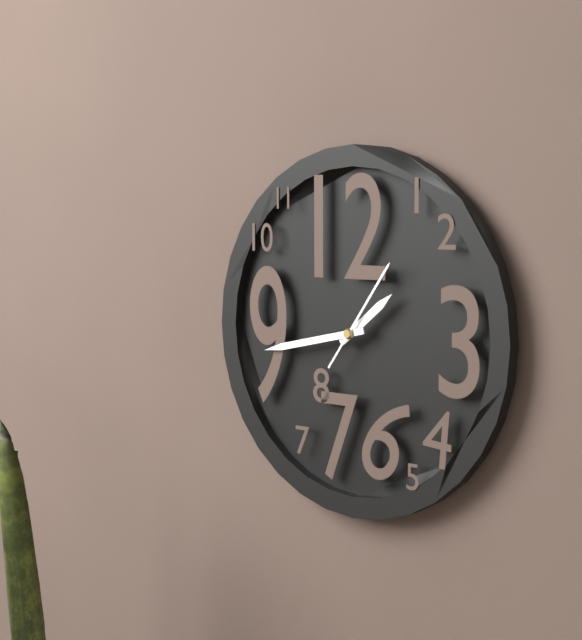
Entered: 1 h 43 min 06 s
